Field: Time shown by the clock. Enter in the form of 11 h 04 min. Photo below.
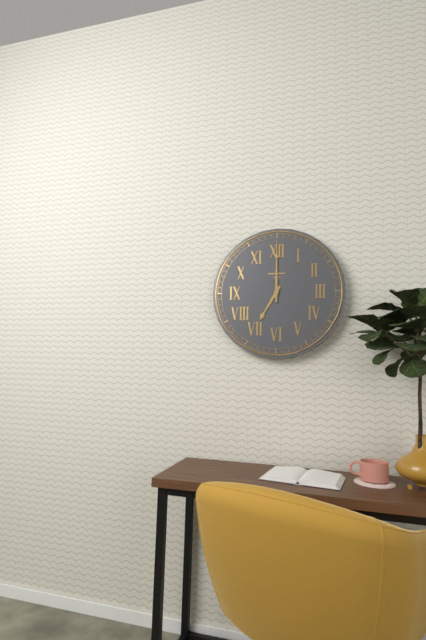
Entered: 7 h 00 min
